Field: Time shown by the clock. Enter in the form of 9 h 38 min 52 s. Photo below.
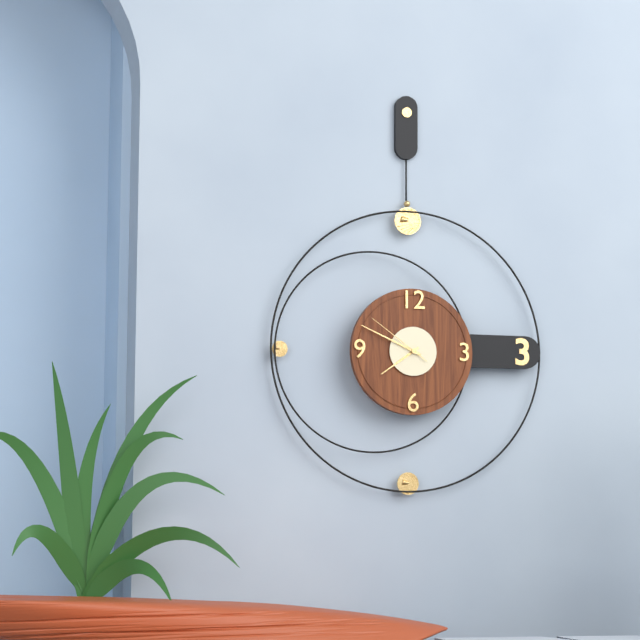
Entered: 7 h 49 min 51 s
